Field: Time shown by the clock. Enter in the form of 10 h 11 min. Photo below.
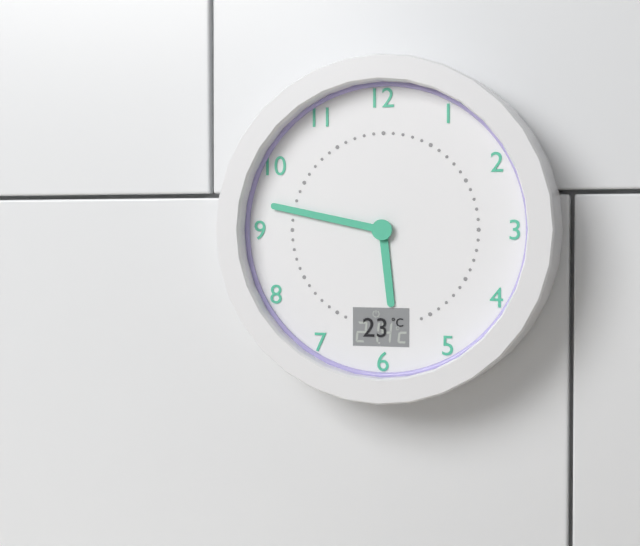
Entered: 5 h 47 min
